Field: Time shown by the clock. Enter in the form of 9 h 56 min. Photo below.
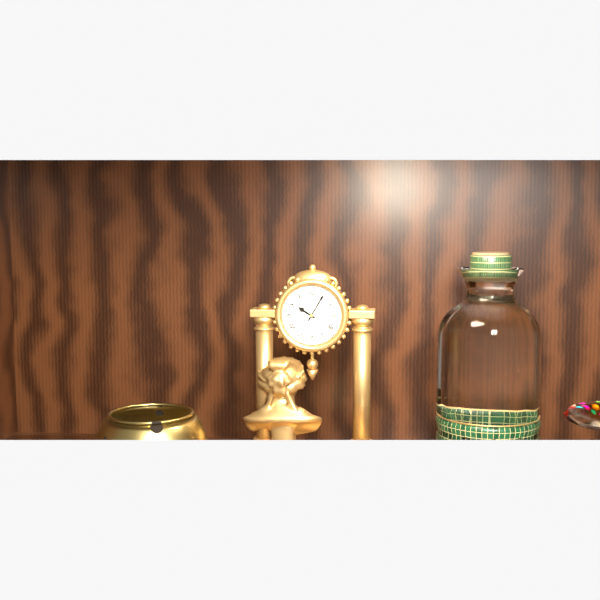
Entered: 10 h 05 min
